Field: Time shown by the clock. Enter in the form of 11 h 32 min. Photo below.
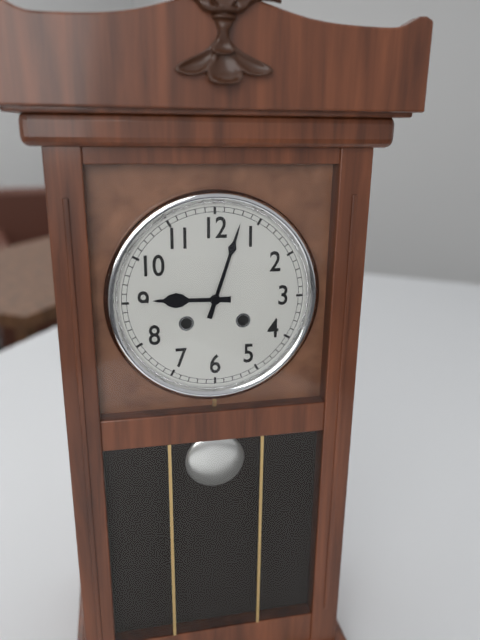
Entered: 9 h 03 min
